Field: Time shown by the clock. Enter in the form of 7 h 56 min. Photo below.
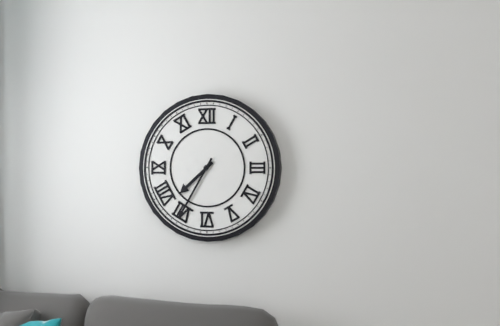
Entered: 7 h 35 min
